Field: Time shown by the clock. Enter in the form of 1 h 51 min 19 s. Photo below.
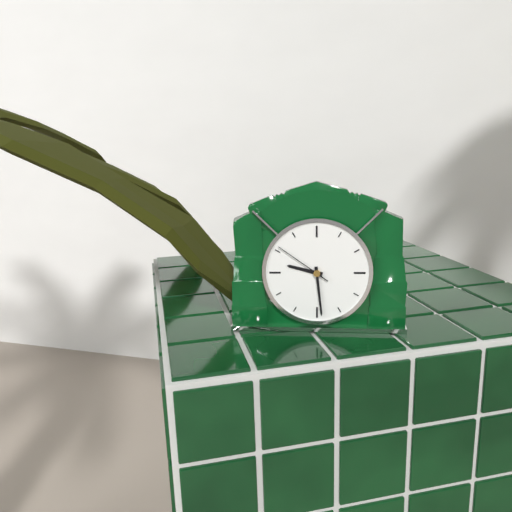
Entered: 9 h 29 min 51 s
